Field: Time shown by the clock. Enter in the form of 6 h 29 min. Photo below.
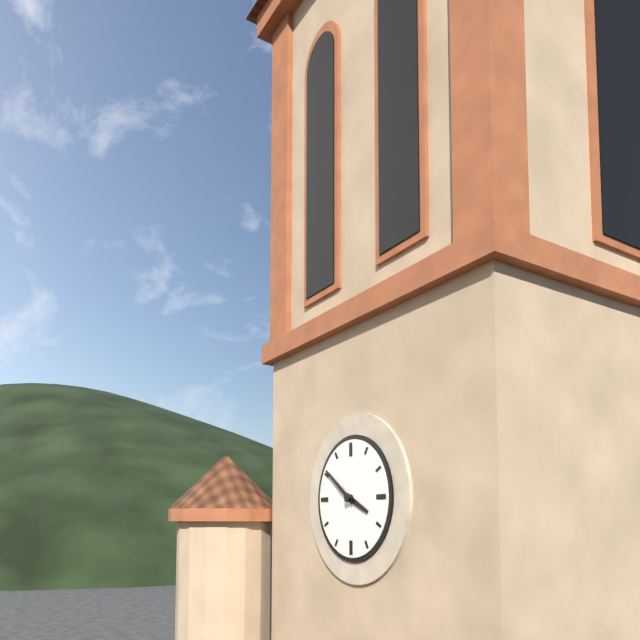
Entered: 3 h 51 min
